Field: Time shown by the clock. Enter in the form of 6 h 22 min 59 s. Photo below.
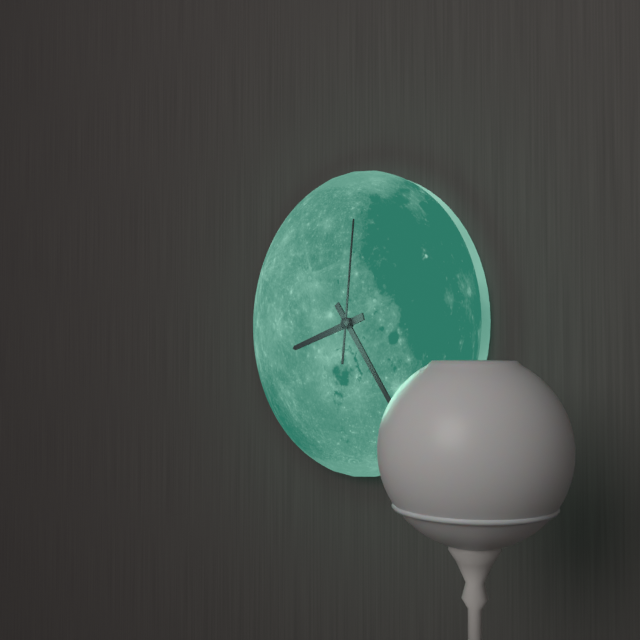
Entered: 8 h 24 min 01 s
